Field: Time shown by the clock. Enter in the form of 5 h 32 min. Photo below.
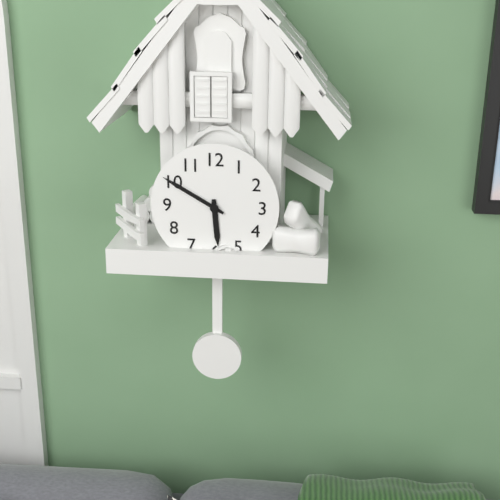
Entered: 5 h 50 min
